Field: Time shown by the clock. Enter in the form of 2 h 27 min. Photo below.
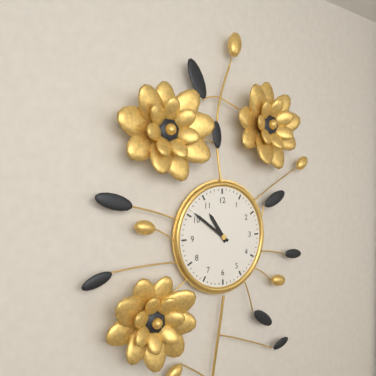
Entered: 10 h 51 min
